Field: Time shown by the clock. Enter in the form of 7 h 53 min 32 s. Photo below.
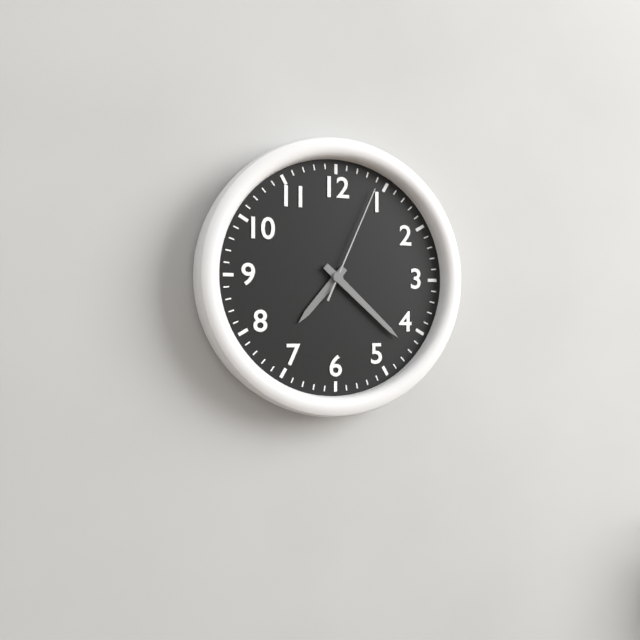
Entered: 7 h 22 min 04 s
